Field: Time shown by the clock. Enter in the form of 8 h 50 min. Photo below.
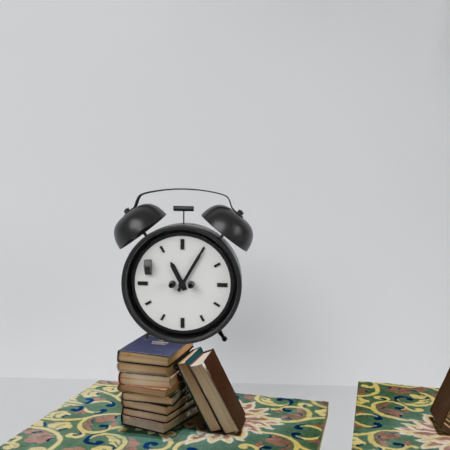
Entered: 11 h 05 min
